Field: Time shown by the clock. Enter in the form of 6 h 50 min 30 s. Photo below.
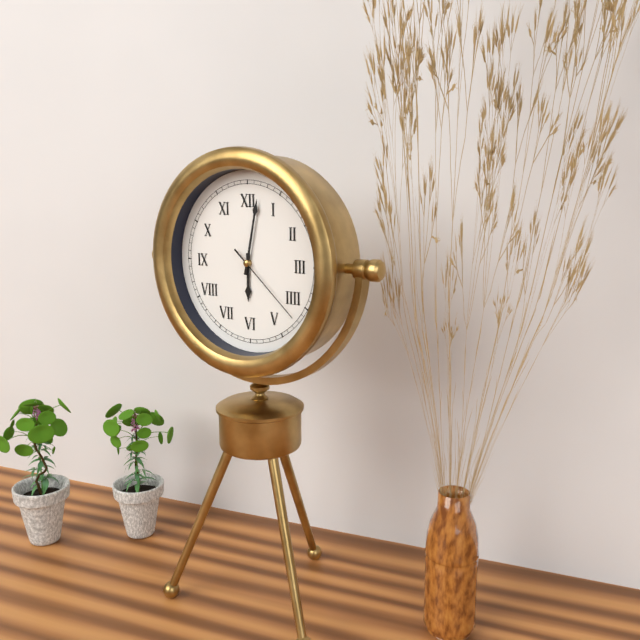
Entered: 6 h 02 min 22 s
